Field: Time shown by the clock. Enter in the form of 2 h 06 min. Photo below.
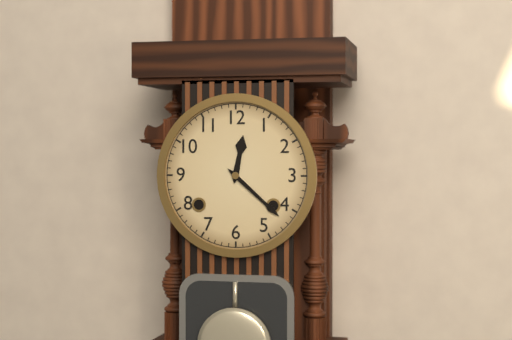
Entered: 12 h 22 min
